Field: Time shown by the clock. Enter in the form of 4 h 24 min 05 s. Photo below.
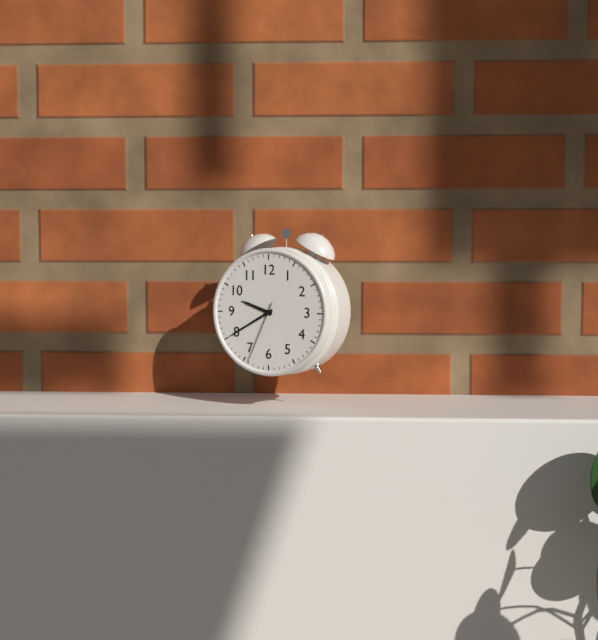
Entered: 9 h 40 min 34 s
